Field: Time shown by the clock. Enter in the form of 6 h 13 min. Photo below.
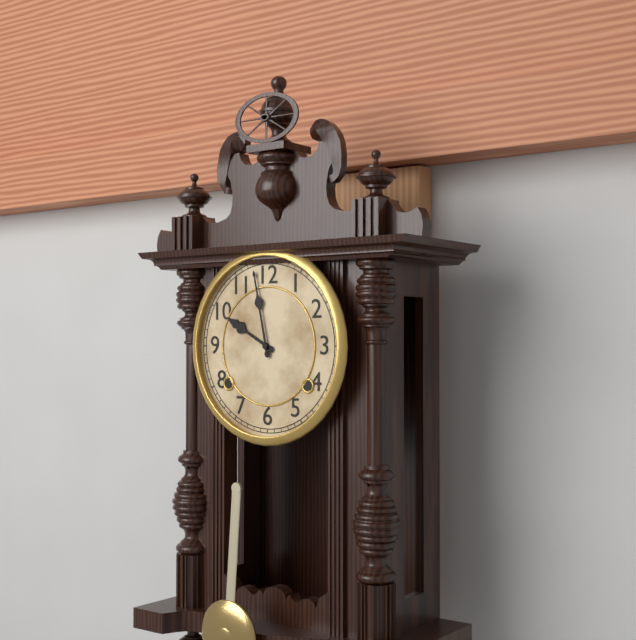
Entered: 9 h 58 min
